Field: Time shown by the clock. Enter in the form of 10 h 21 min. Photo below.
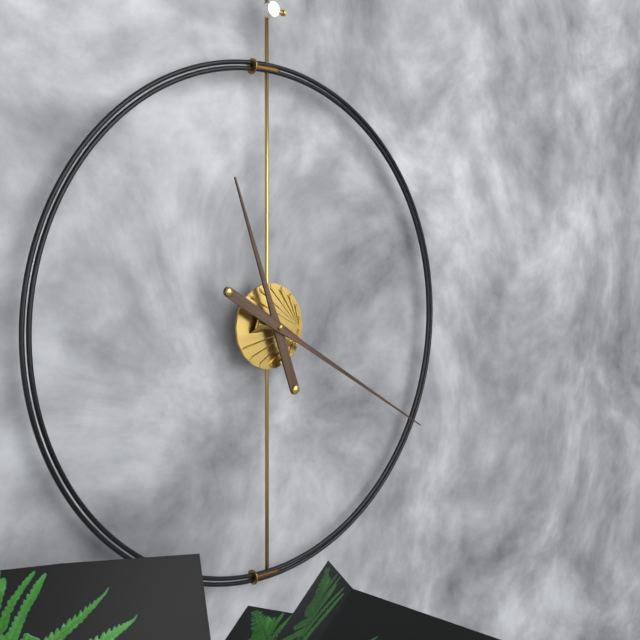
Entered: 11 h 20 min
